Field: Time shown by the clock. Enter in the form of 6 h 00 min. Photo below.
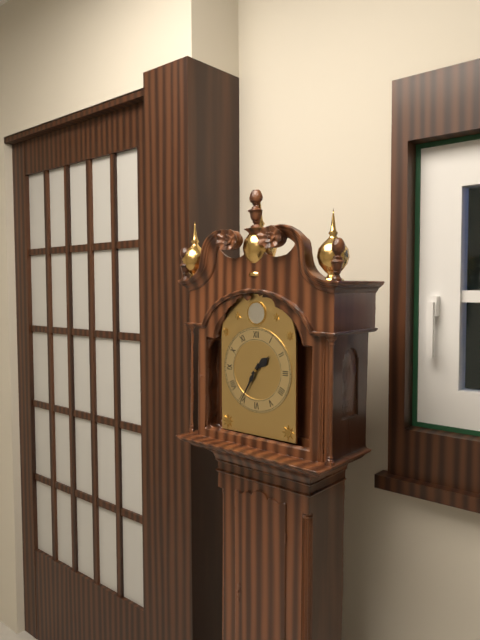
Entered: 1 h 35 min
